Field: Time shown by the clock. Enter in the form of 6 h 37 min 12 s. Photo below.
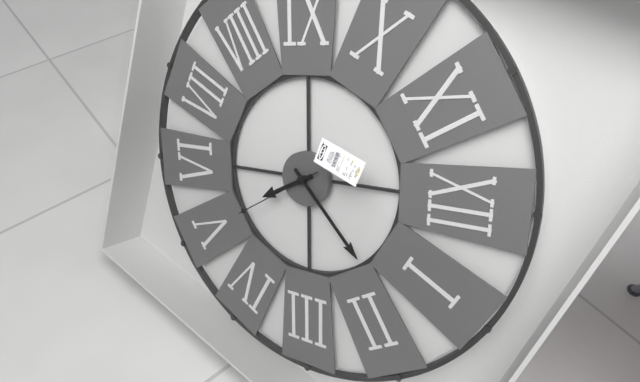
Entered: 5 h 08 min 25 s
